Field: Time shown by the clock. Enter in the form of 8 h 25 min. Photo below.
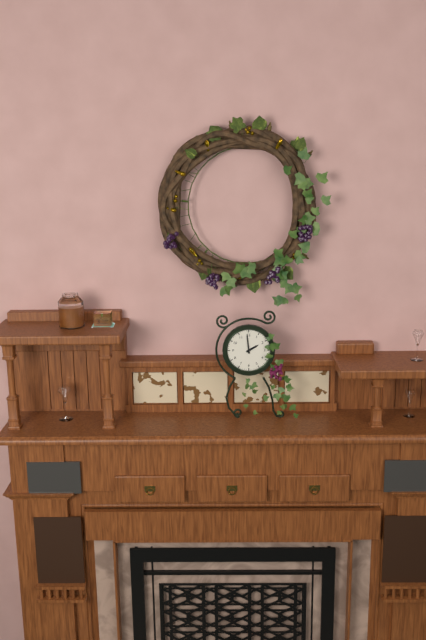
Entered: 1 h 59 min
